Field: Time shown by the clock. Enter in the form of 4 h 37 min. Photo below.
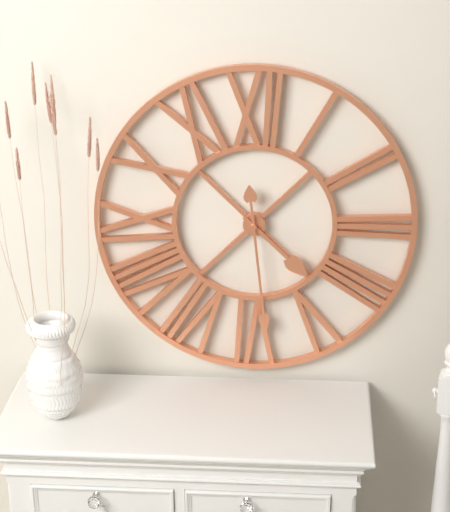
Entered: 4 h 29 min
